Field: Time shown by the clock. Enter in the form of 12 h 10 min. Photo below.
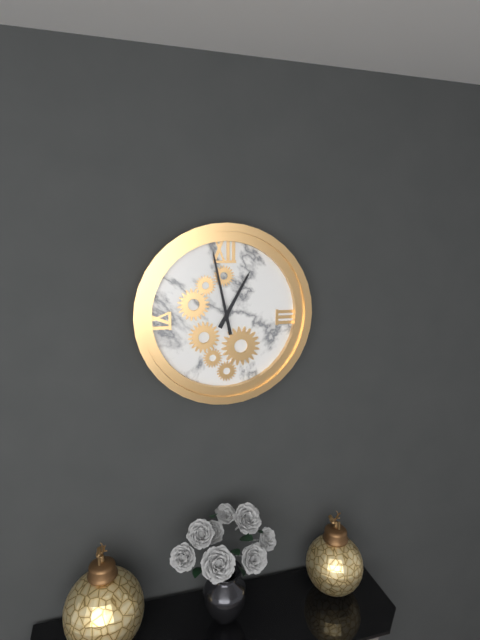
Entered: 12 h 58 min
